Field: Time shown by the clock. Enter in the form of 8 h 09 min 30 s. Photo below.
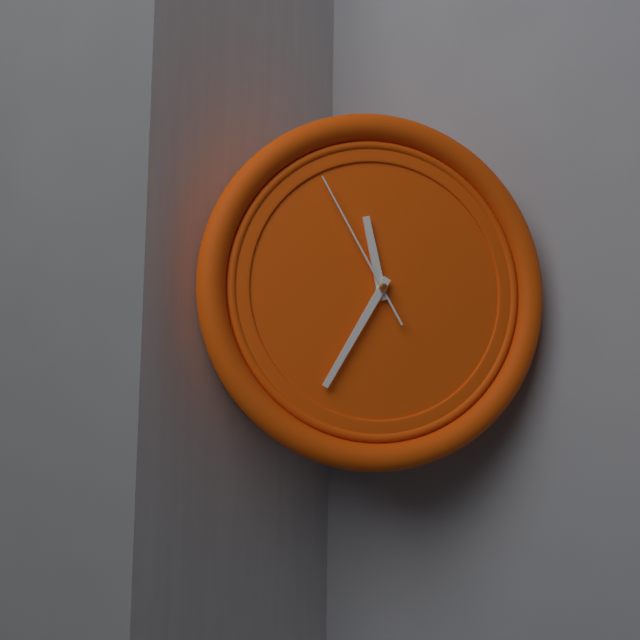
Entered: 11 h 35 min 55 s
